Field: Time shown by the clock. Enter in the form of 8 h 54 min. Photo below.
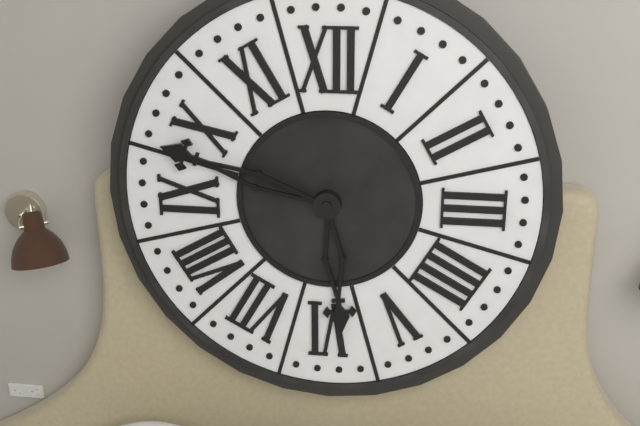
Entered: 5 h 48 min
